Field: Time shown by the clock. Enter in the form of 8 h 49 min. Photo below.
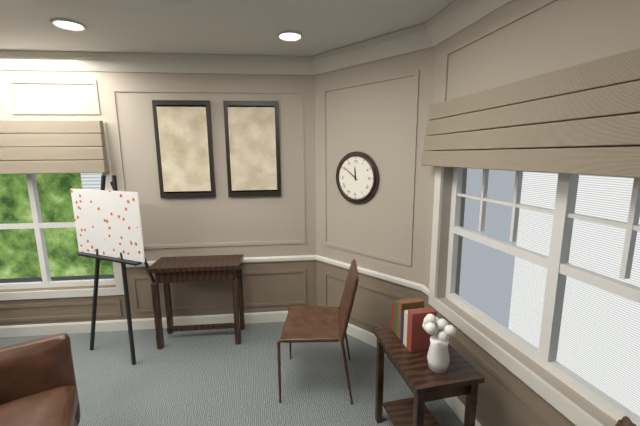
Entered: 11 h 51 min
